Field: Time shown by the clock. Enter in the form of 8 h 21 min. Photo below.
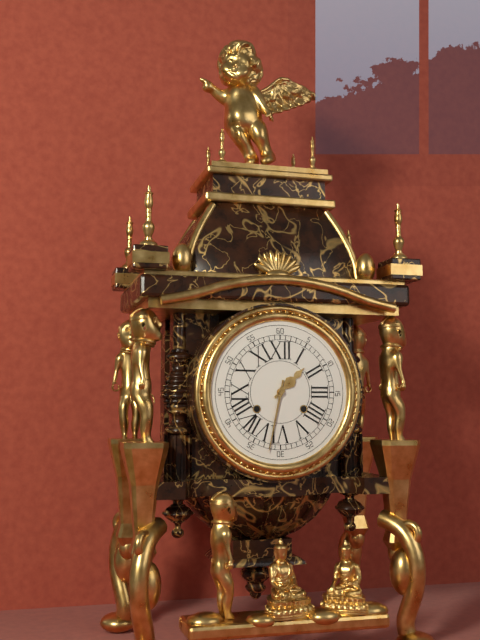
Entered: 1 h 32 min
